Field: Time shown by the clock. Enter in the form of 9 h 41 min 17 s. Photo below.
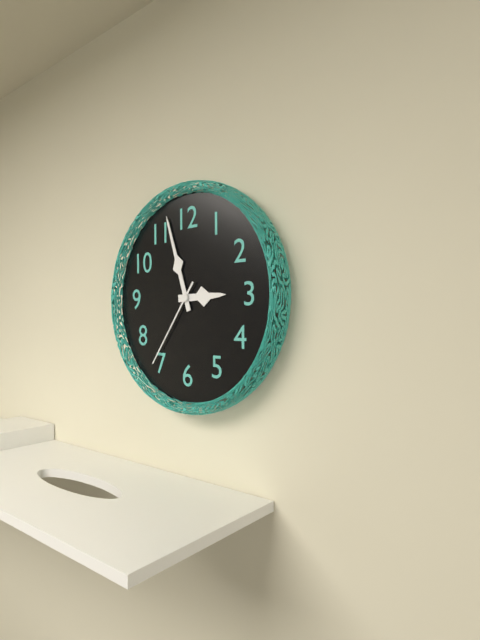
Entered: 2 h 57 min 36 s
